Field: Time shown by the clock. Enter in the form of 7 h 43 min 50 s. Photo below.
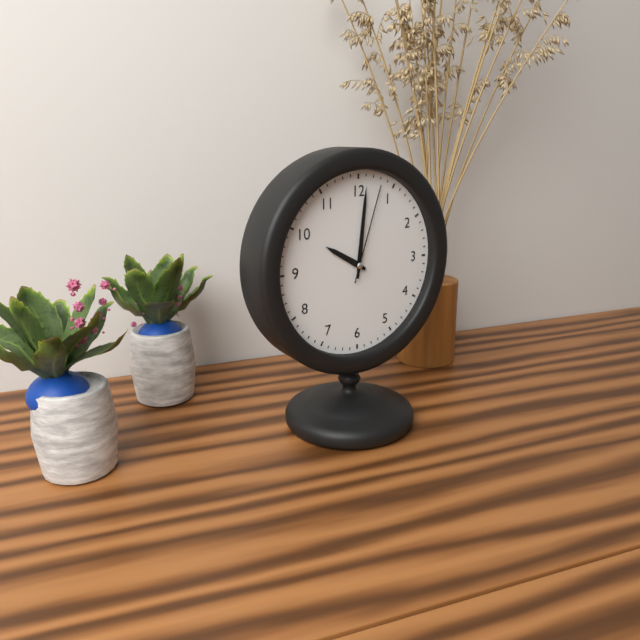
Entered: 10 h 01 min 03 s
